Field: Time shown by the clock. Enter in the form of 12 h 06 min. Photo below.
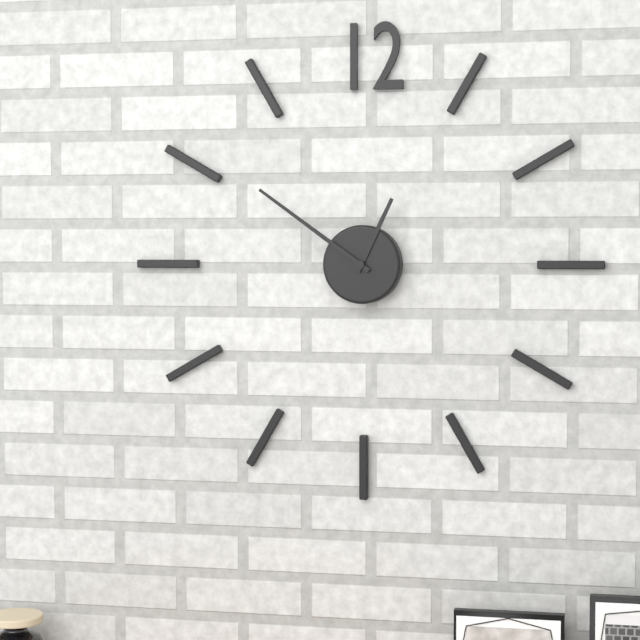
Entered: 12 h 51 min
